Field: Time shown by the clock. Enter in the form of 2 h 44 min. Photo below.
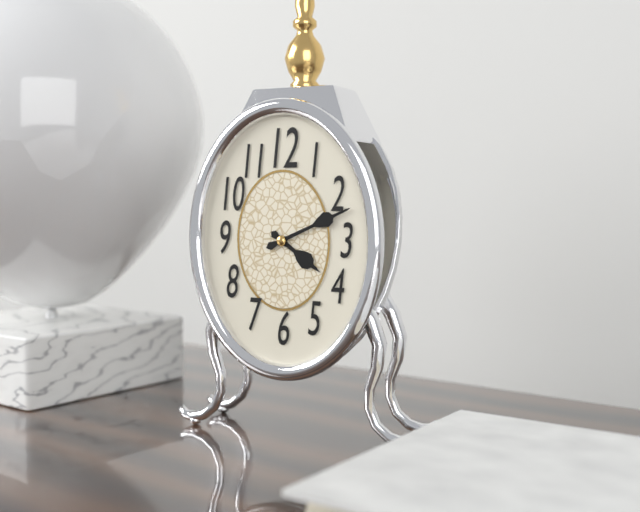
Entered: 4 h 11 min
